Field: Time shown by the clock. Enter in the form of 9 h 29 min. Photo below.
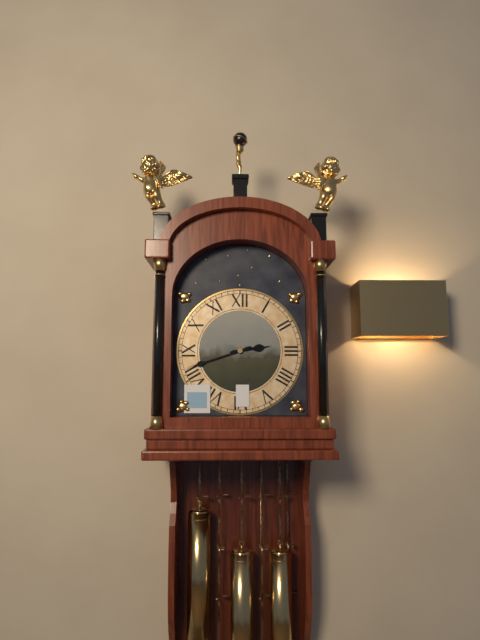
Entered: 2 h 42 min
